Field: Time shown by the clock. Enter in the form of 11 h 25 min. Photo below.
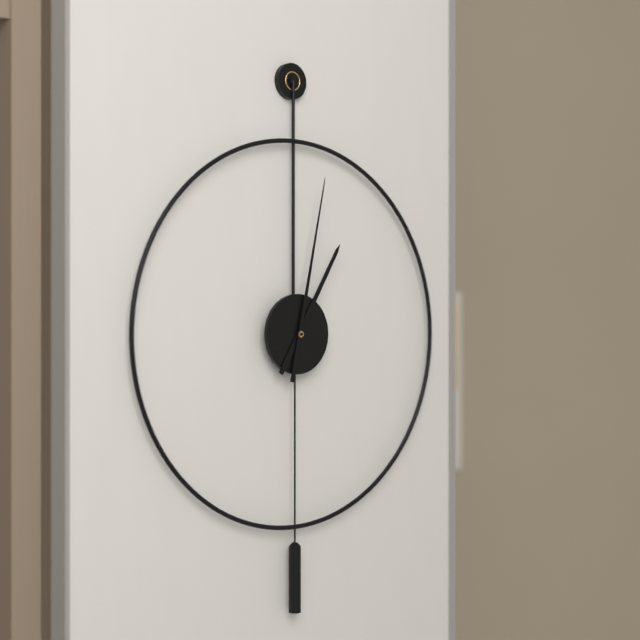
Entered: 1 h 02 min
